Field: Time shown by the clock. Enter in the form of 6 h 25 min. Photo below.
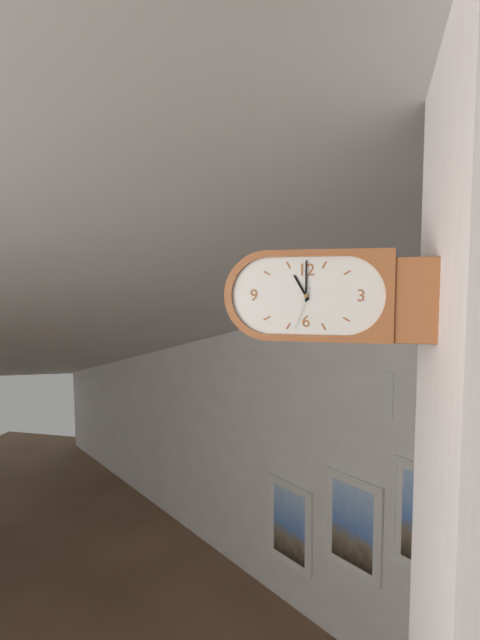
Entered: 11 h 00 min
